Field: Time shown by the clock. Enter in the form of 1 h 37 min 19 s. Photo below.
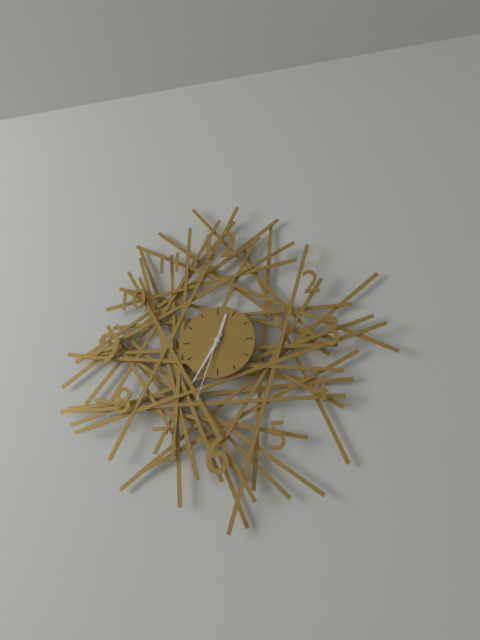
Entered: 12 h 35 min 33 s
